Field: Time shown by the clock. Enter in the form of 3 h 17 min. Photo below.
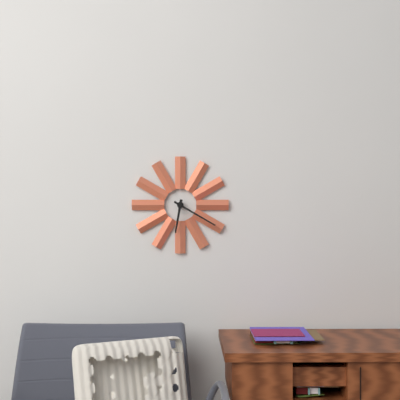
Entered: 6 h 20 min
